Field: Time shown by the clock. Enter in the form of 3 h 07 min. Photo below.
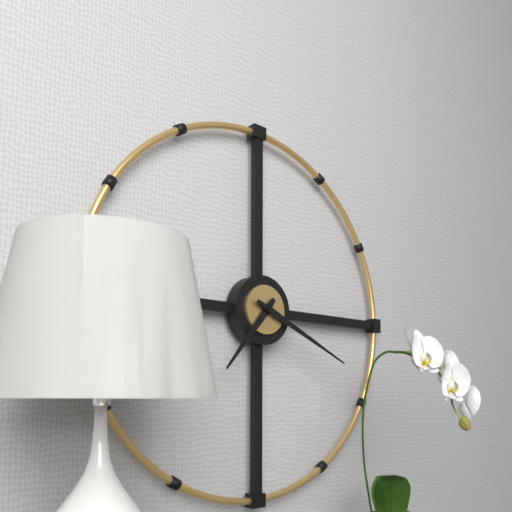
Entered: 7 h 19 min
